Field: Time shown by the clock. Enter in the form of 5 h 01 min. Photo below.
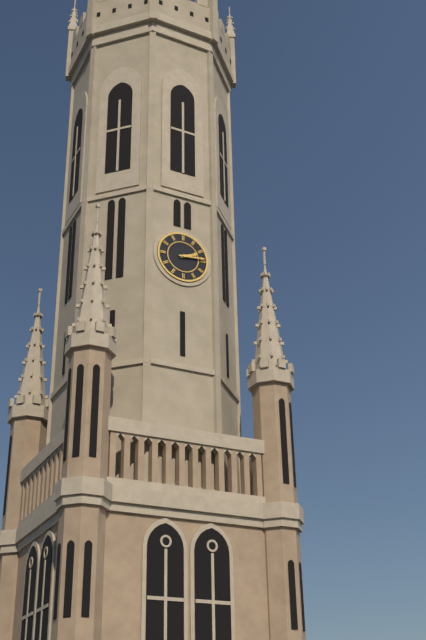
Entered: 2 h 14 min
